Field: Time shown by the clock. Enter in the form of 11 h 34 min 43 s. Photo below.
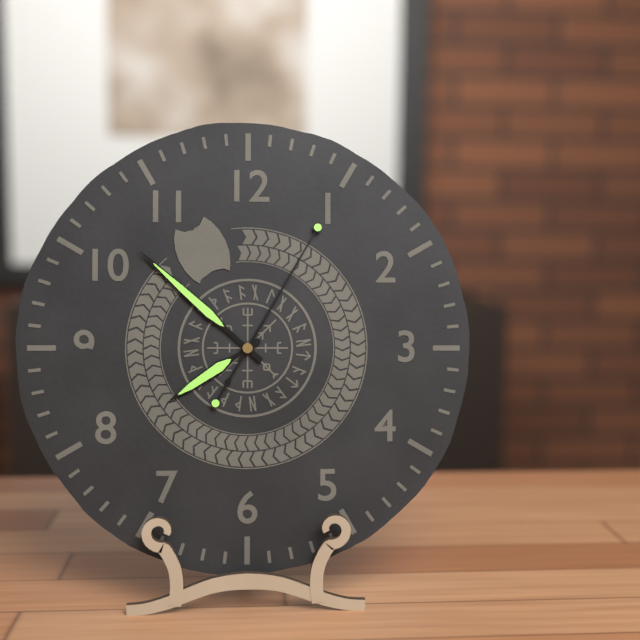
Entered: 7 h 52 min 05 s
